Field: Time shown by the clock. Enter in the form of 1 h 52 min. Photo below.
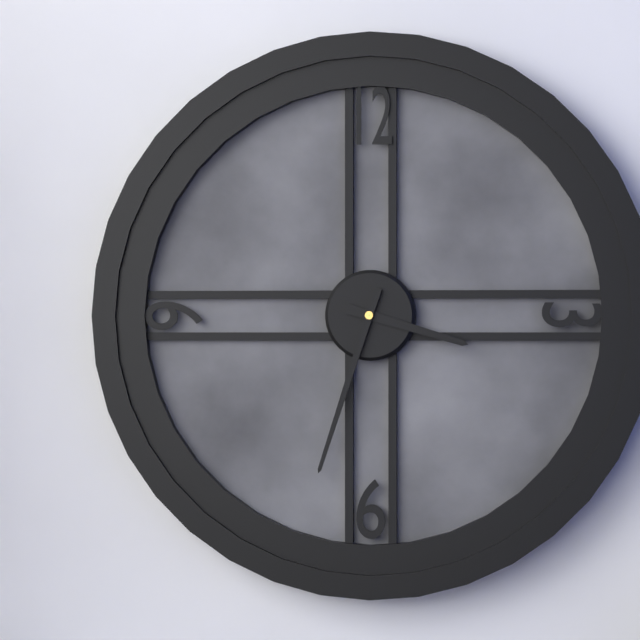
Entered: 3 h 33 min
